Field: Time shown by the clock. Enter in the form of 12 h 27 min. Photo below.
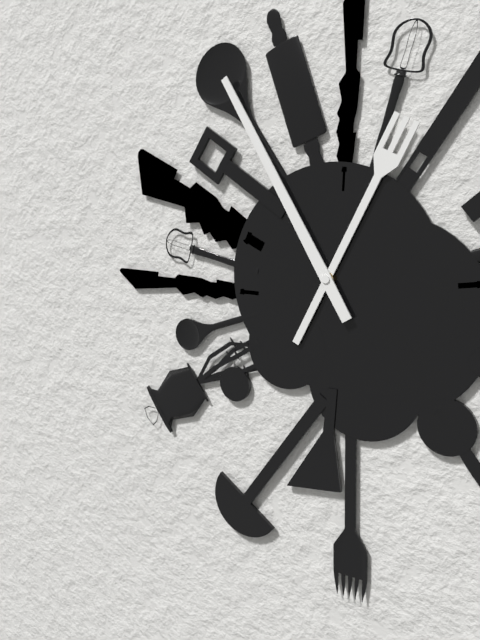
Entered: 12 h 55 min
